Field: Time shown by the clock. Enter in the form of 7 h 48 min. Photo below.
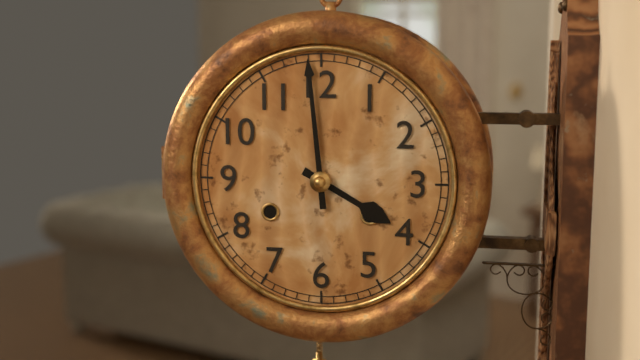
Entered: 3 h 59 min
